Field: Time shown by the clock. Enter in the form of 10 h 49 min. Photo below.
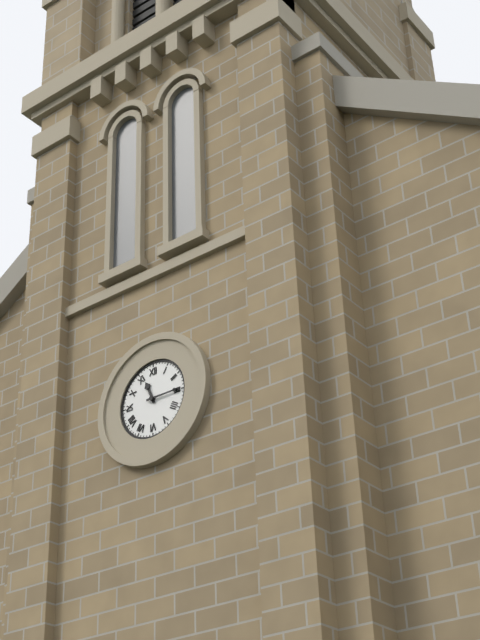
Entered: 11 h 15 min
